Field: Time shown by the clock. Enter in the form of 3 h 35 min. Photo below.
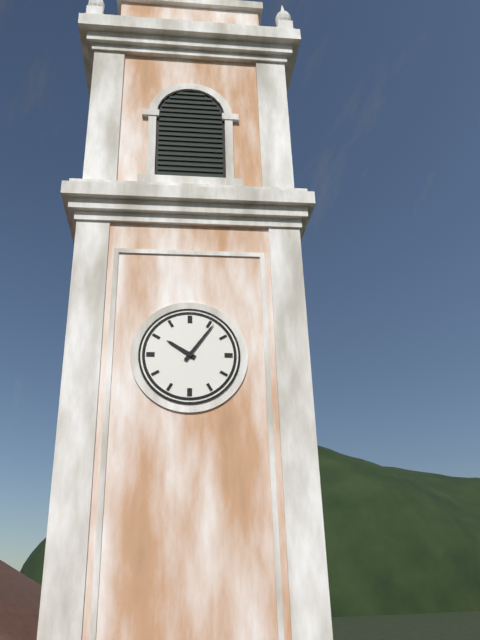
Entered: 10 h 06 min
